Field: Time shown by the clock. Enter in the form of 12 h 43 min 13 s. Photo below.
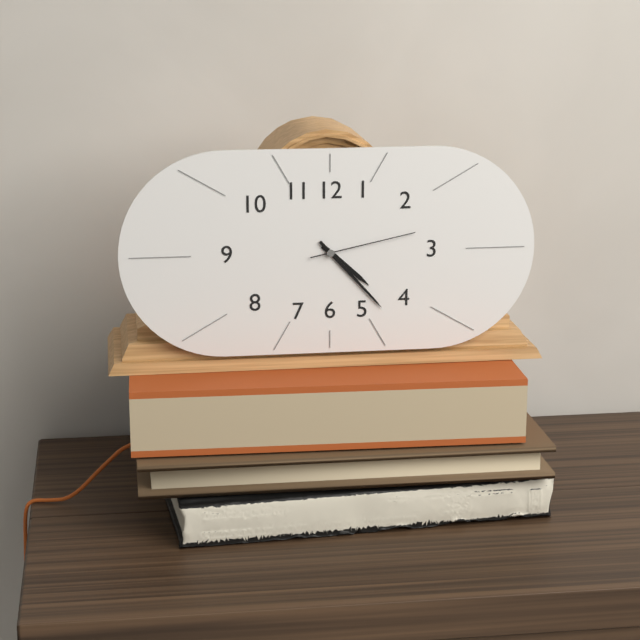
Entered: 4 h 23 min 13 s
